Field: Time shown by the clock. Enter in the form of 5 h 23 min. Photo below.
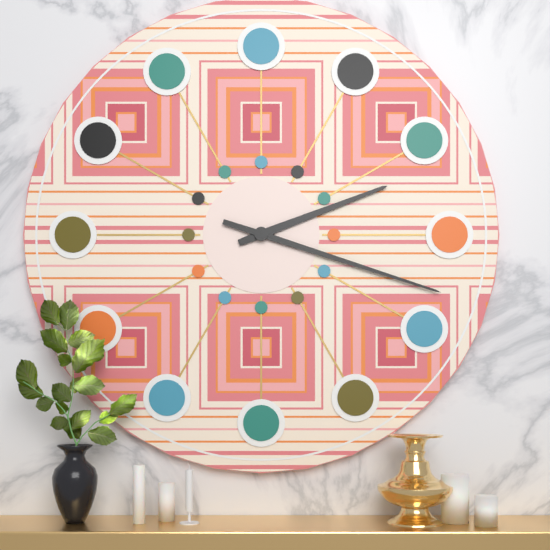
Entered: 2 h 18 min
